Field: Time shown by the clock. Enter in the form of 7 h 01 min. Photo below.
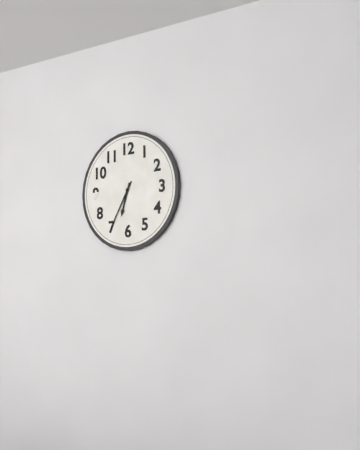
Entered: 6 h 35 min
